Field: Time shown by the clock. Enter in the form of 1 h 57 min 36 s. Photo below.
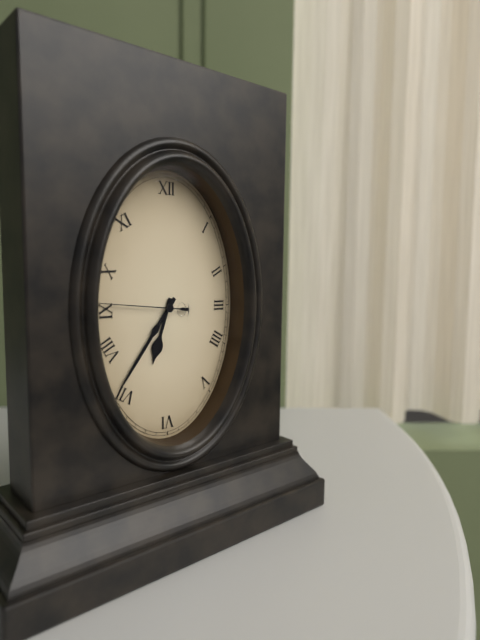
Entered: 6 h 36 min 46 s
